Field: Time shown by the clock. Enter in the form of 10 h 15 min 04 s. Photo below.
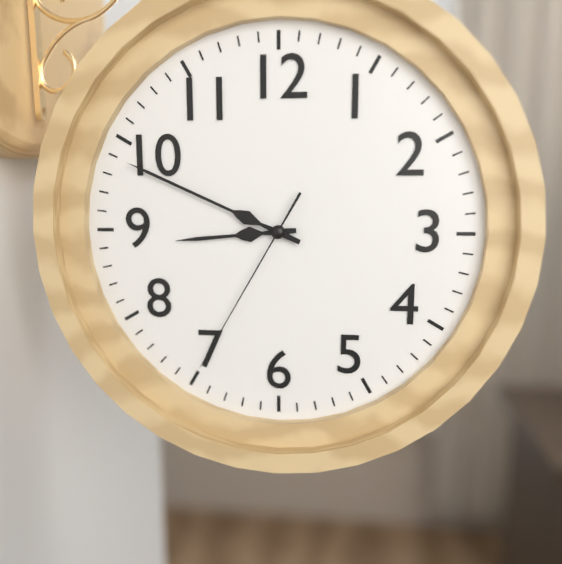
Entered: 8 h 49 min 35 s
